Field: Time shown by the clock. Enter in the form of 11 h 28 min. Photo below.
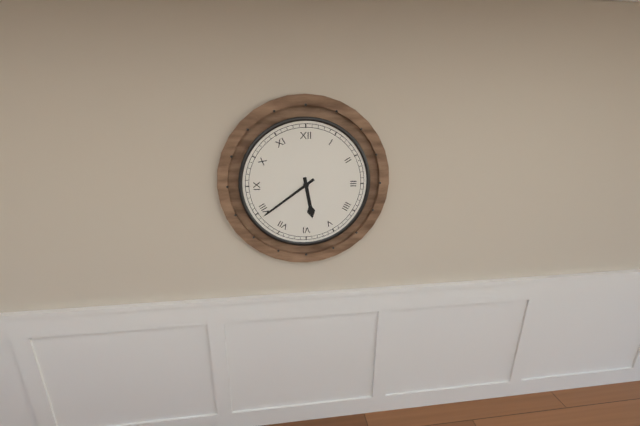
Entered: 5 h 39 min
